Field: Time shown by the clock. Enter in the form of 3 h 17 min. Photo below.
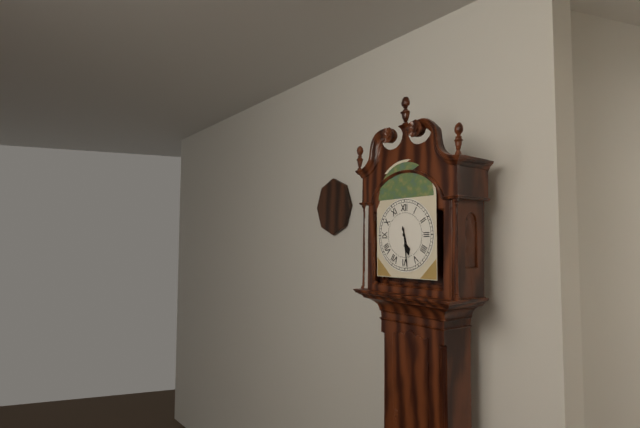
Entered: 5 h 29 min
